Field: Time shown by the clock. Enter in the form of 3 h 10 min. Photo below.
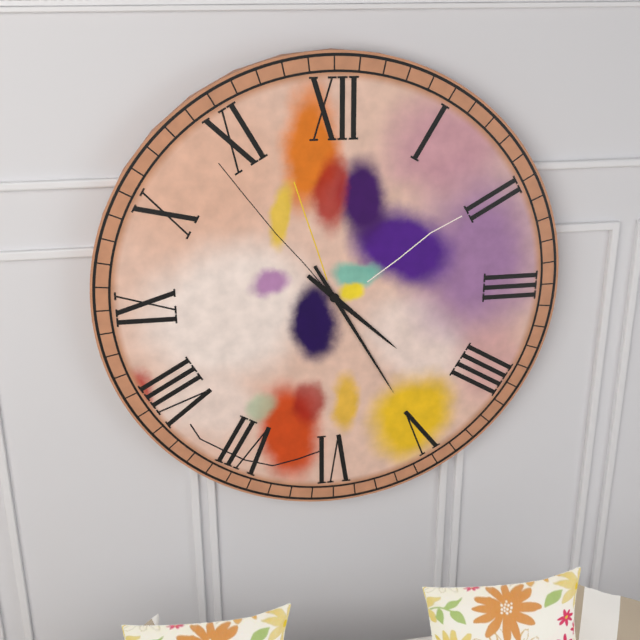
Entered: 4 h 25 min
